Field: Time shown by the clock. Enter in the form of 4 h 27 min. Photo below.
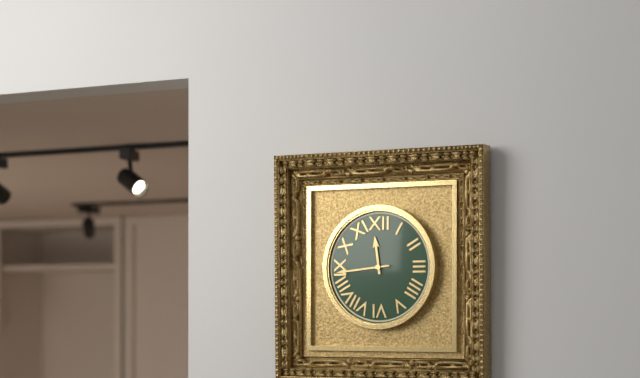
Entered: 11 h 44 min
